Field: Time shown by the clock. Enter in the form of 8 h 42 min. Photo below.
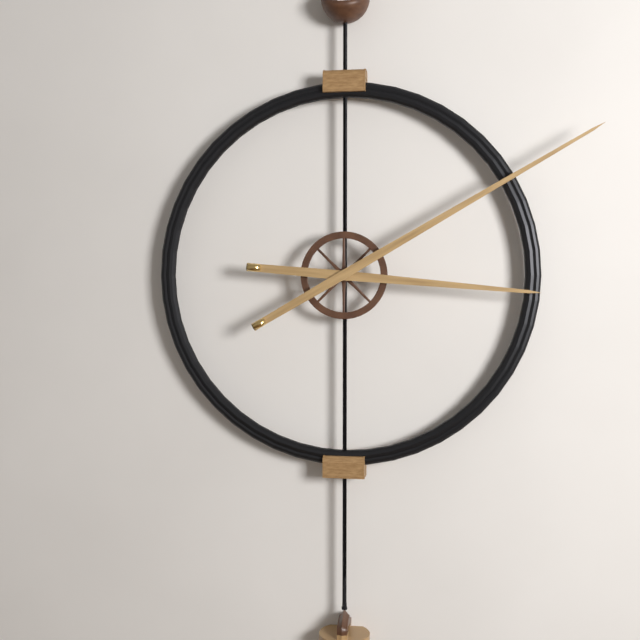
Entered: 3 h 10 min
